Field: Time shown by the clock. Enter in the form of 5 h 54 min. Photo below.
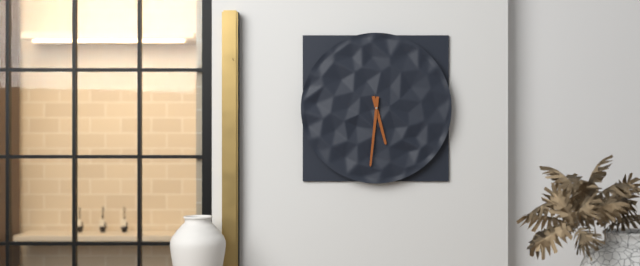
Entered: 5 h 31 min
